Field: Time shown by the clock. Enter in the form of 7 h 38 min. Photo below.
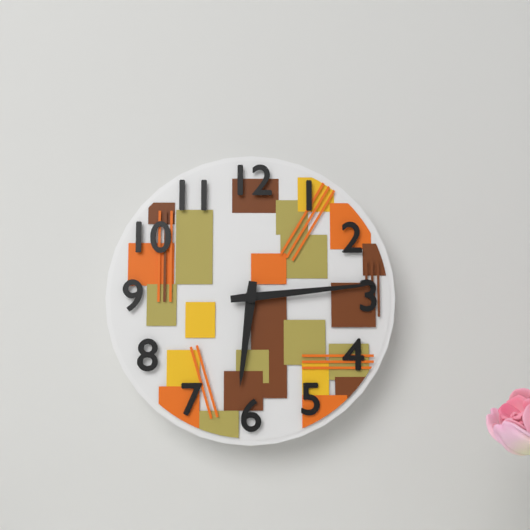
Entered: 6 h 14 min
